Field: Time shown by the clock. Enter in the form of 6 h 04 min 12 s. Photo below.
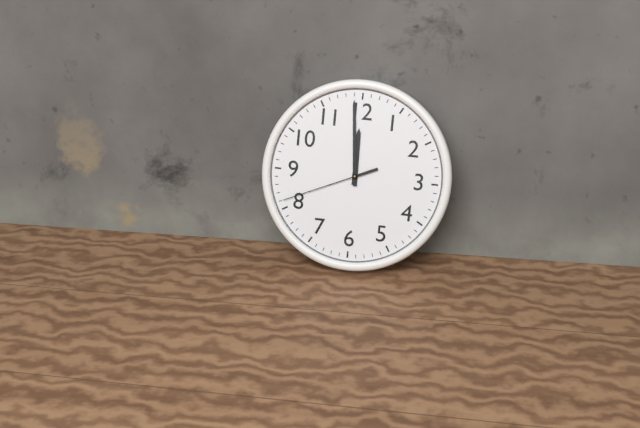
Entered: 11 h 59 min 41 s
